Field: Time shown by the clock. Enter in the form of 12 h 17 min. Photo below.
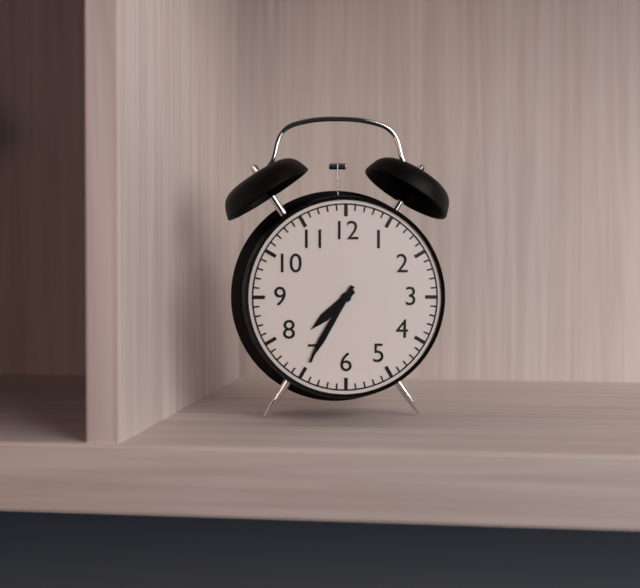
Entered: 7 h 35 min
